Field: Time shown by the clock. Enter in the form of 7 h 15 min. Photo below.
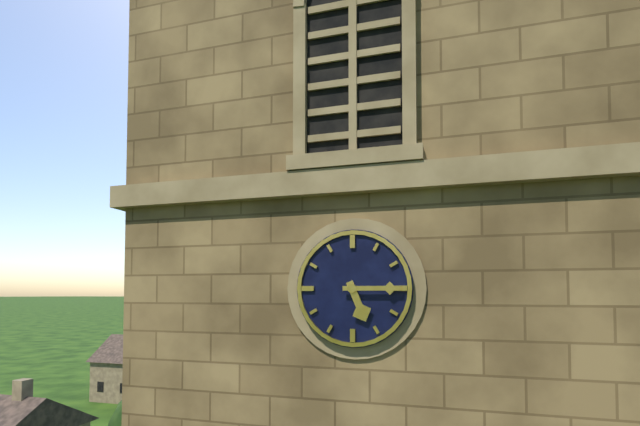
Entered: 5 h 15 min
